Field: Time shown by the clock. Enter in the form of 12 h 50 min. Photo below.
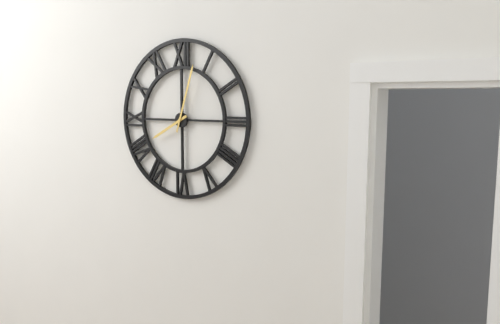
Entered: 8 h 03 min
